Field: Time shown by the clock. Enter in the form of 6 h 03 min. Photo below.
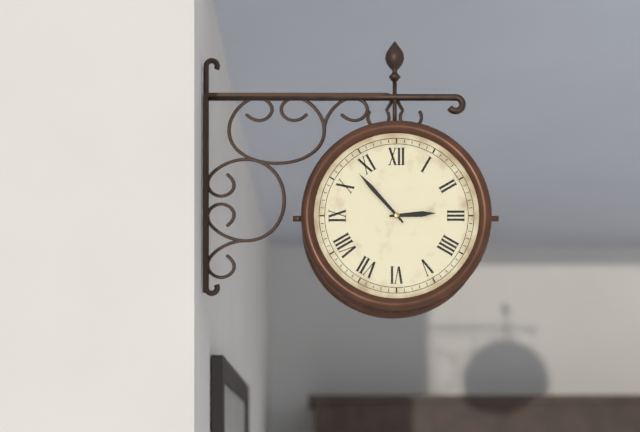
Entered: 2 h 53 min
